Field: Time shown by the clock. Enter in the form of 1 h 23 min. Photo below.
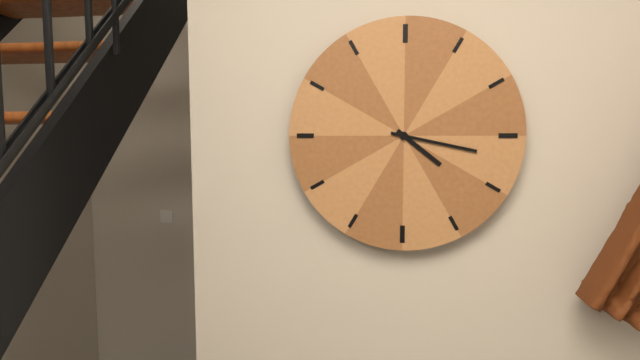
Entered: 4 h 17 min
